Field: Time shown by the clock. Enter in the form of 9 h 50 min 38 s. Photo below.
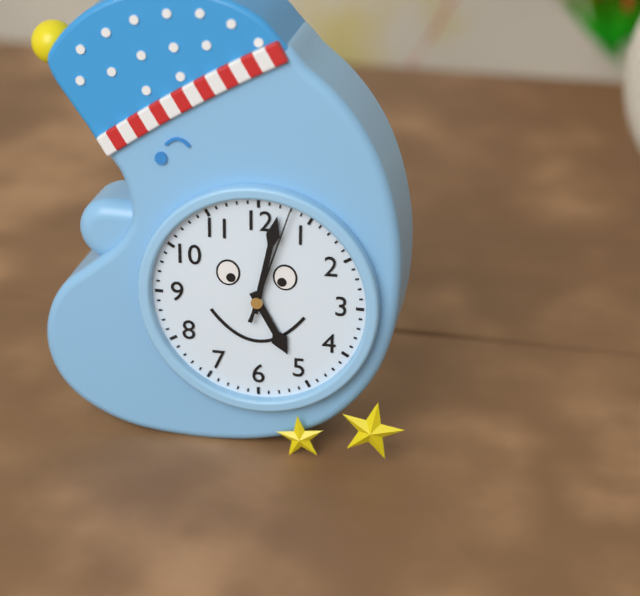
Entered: 5 h 02 min 03 s
